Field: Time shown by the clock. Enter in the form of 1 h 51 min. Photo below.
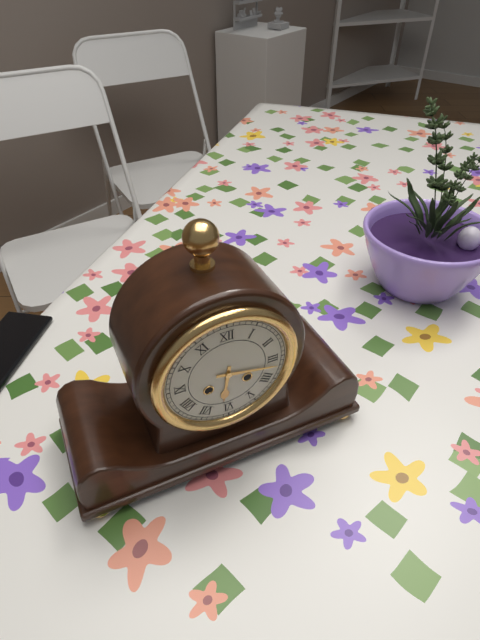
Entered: 6 h 17 min
